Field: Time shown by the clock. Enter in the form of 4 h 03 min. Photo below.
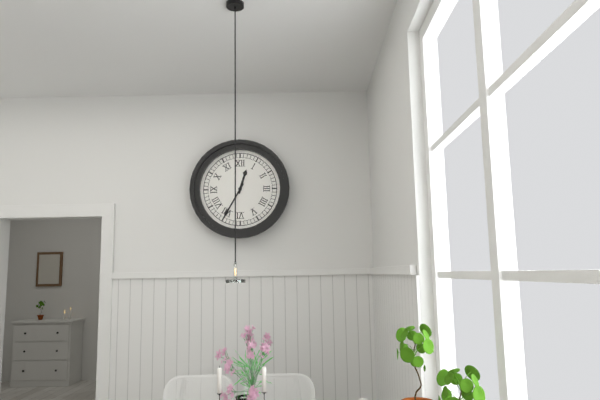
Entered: 12 h 35 min
